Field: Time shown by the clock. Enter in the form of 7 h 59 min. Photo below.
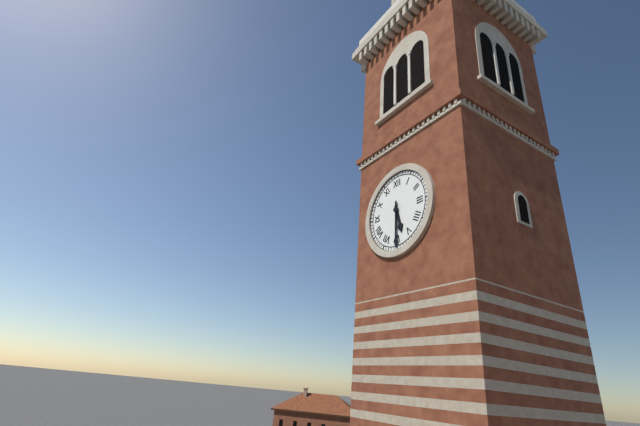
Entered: 5 h 30 min
